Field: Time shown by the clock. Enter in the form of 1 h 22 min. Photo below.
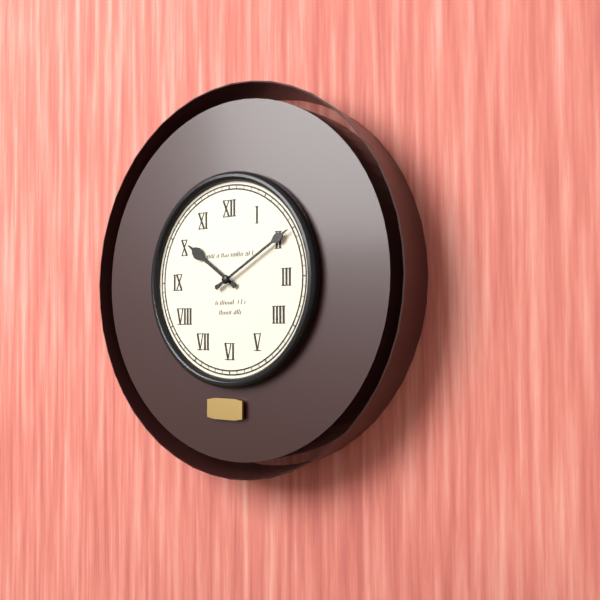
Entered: 10 h 10 min
